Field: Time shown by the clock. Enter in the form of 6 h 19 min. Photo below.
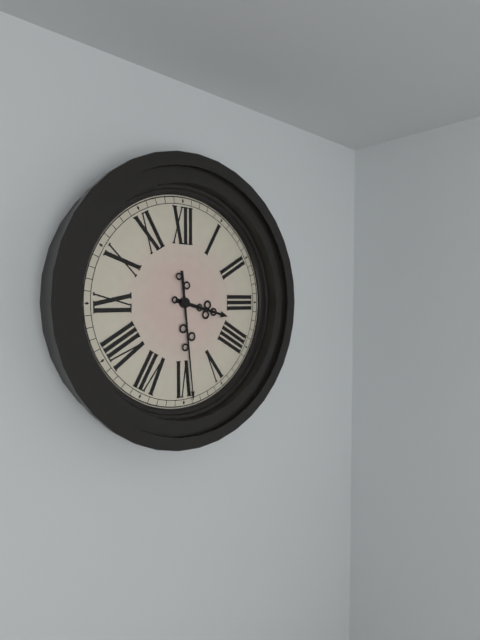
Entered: 3 h 29 min
